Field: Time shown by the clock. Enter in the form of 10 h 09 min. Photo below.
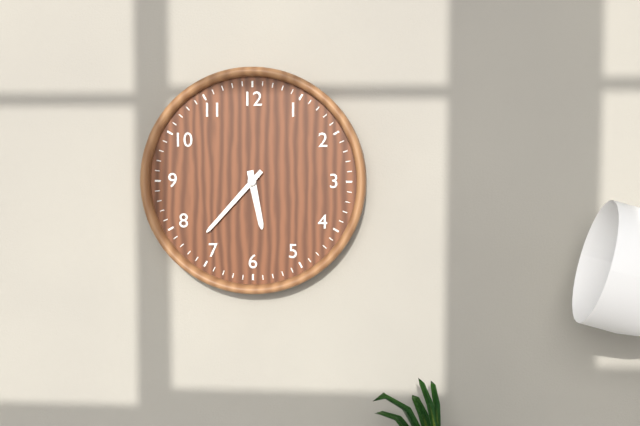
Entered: 5 h 37 min
